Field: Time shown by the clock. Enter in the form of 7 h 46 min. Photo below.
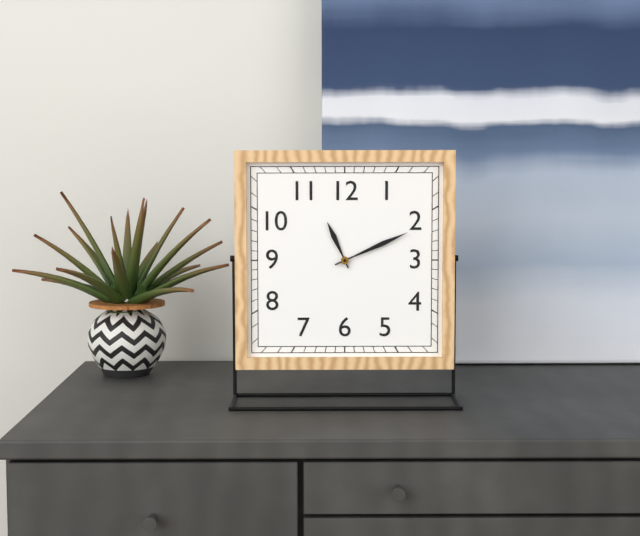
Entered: 11 h 11 min
